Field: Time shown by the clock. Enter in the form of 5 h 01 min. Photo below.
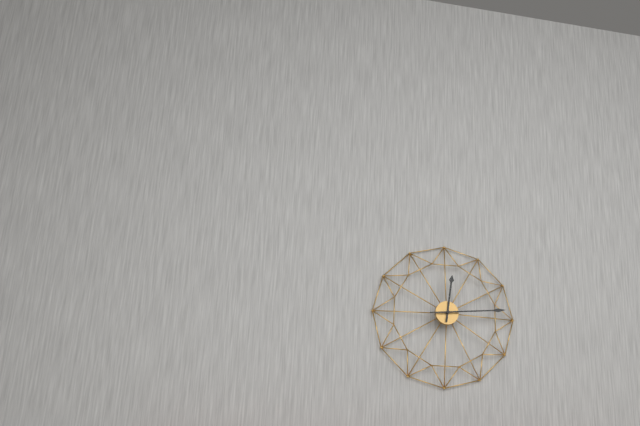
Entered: 12 h 14 min
